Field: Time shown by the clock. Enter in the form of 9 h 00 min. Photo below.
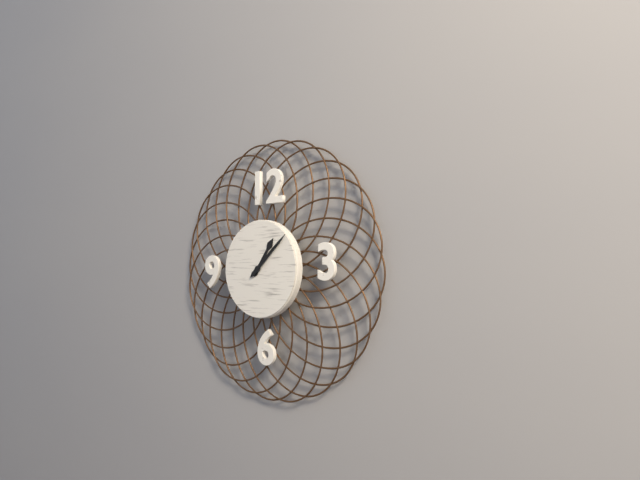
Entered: 1 h 08 min
